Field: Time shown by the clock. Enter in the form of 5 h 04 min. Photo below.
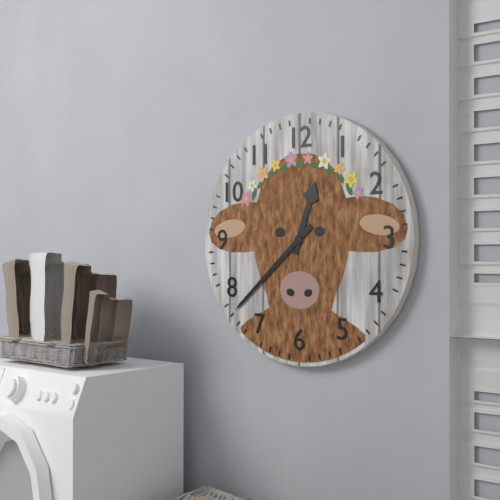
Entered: 12 h 38 min
